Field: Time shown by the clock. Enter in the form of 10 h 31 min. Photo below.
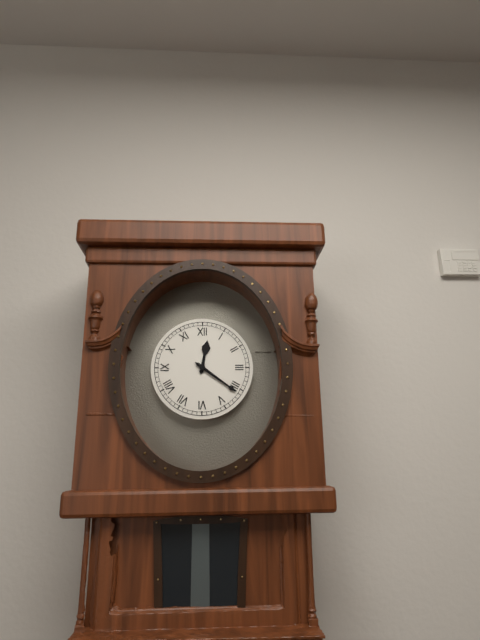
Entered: 12 h 21 min
